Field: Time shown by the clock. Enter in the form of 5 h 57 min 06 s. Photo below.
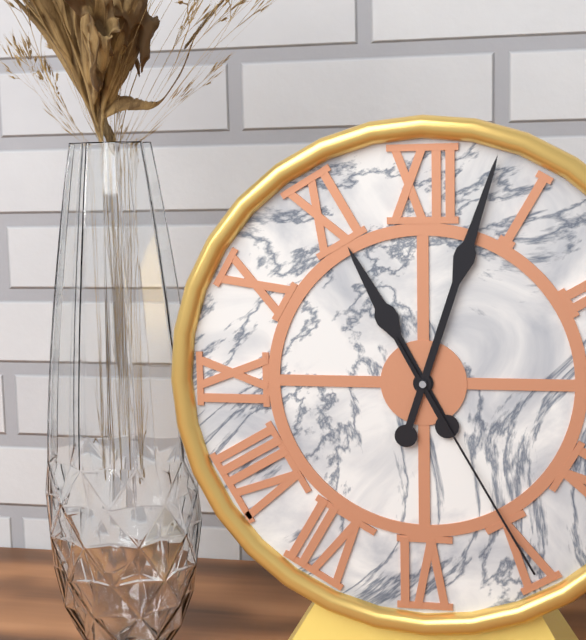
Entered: 11 h 03 min 25 s
